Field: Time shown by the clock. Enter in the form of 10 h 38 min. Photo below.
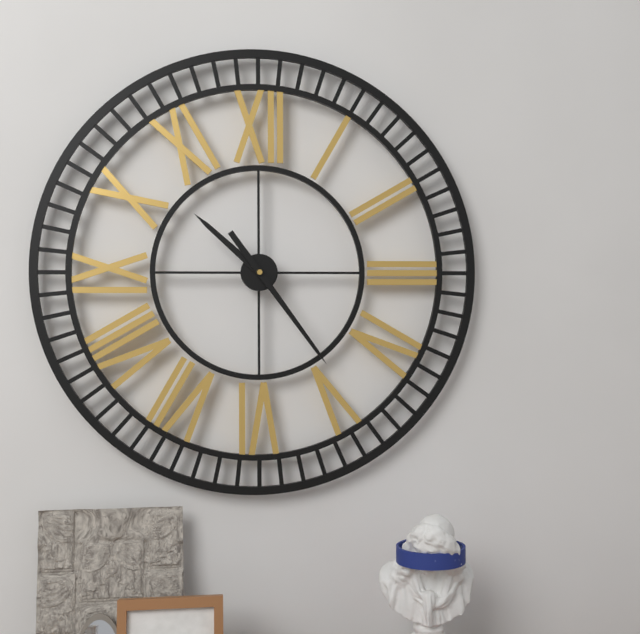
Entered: 10 h 24 min
